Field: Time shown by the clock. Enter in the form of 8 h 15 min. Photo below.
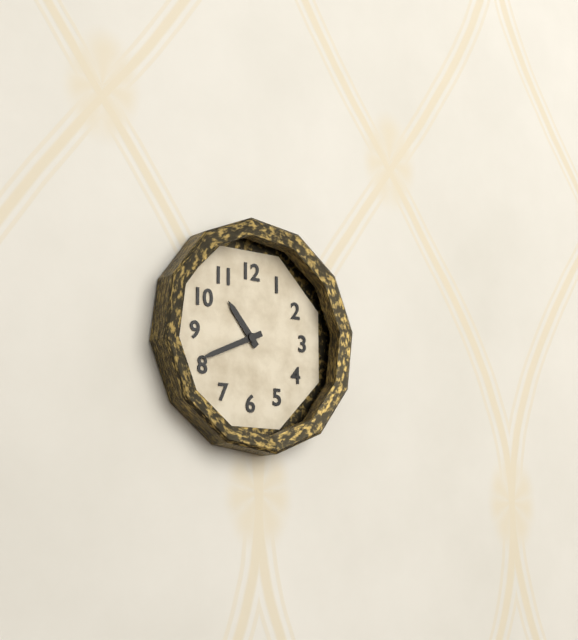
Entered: 10 h 41 min
